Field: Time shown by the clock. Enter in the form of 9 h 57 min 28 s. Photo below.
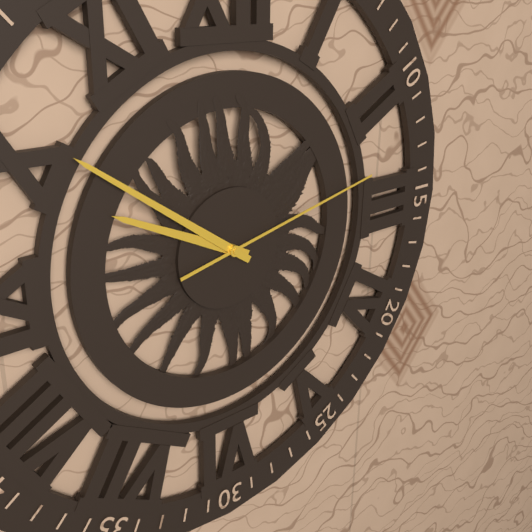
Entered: 9 h 51 min 13 s
